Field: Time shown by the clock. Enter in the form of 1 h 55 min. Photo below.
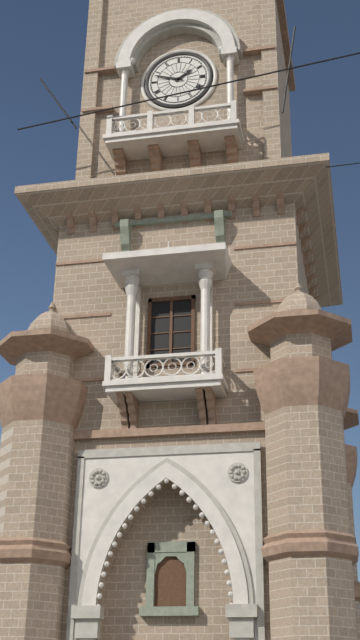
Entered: 1 h 48 min
